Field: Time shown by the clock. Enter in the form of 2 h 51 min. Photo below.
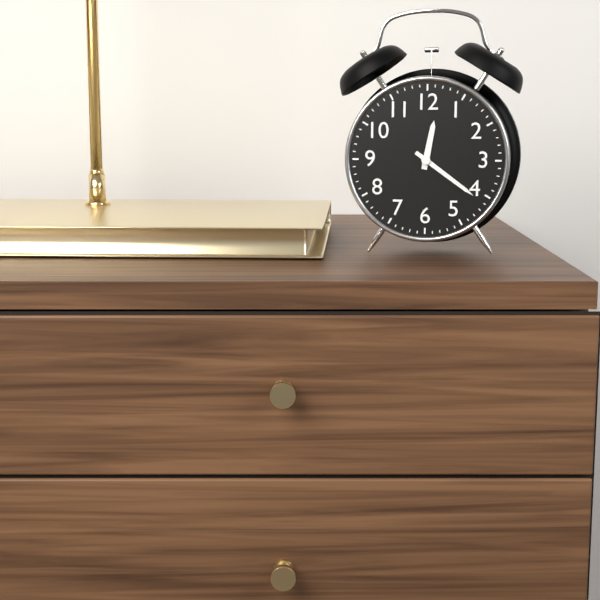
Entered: 12 h 21 min
